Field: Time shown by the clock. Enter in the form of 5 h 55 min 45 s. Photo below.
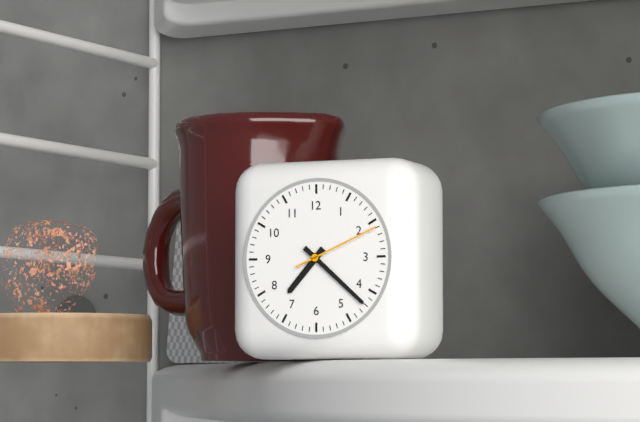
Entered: 7 h 22 min 11 s
